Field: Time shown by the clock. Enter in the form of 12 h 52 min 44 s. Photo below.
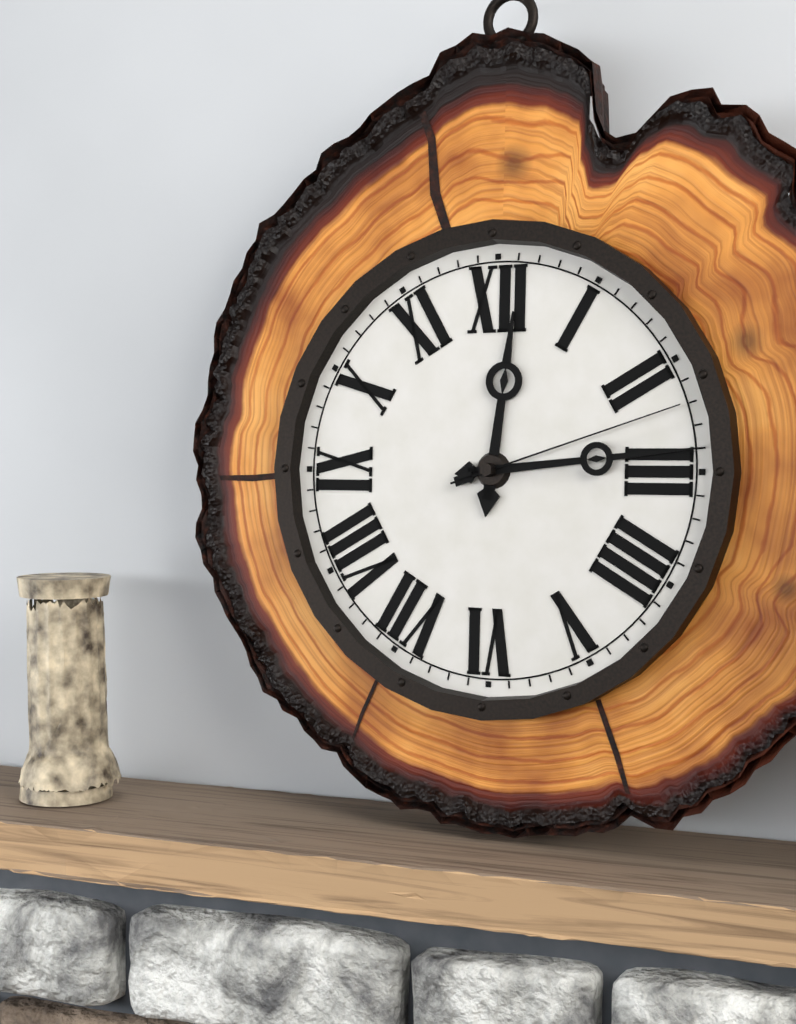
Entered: 12 h 14 min 12 s
